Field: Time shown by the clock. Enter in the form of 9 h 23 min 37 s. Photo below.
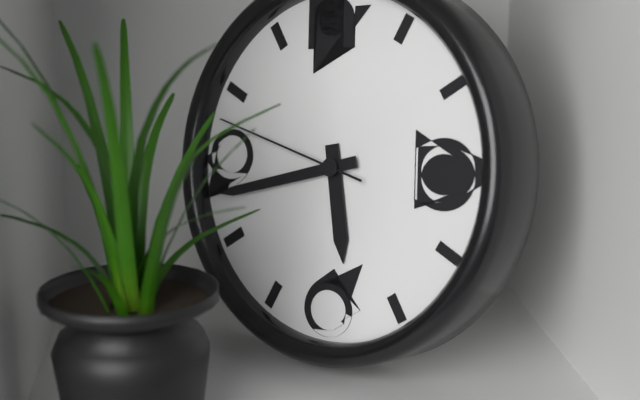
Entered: 5 h 43 min 48 s
